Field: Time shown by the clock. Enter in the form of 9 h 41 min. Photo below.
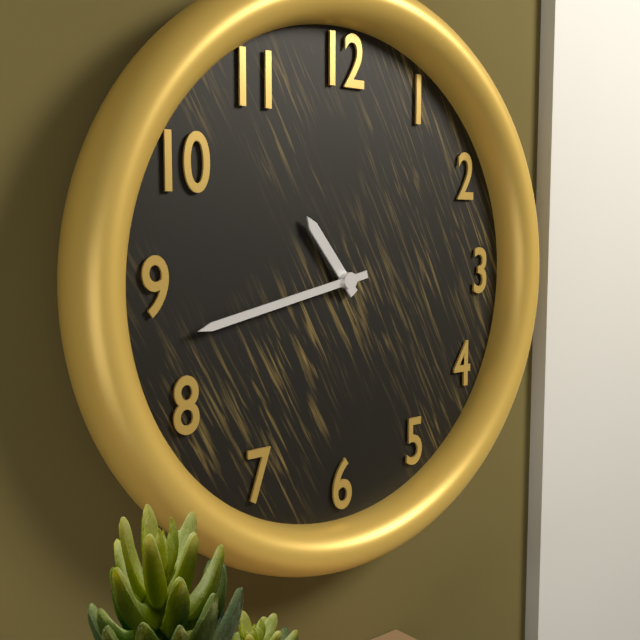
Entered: 10 h 43 min
